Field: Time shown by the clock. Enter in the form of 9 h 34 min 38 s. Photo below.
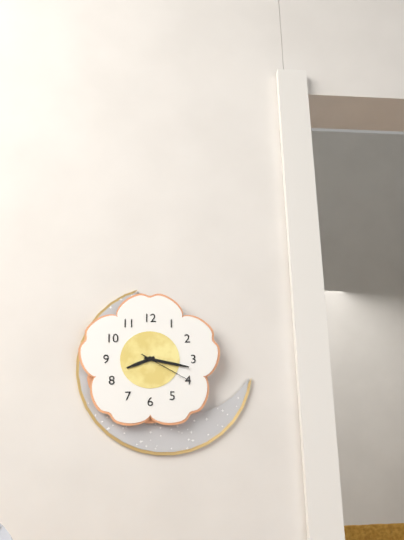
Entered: 8 h 17 min 20 s
